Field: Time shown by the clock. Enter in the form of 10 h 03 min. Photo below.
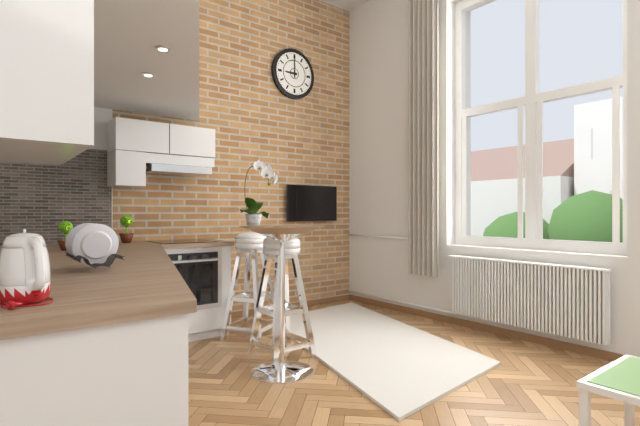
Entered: 9 h 00 min
